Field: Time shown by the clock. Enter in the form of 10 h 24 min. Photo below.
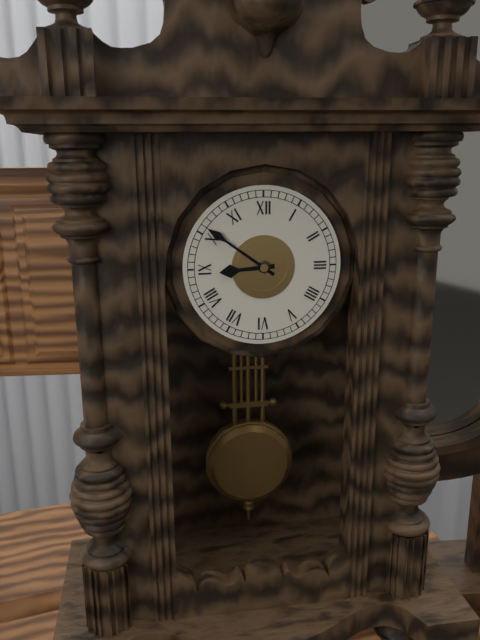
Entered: 8 h 51 min
